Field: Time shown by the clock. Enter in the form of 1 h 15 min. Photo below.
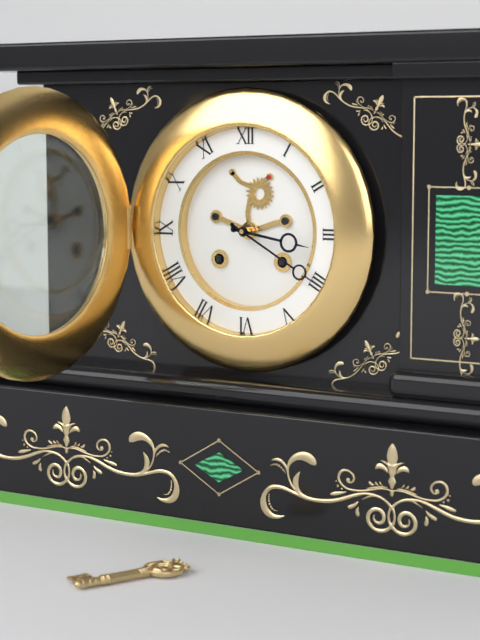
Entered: 3 h 20 min
